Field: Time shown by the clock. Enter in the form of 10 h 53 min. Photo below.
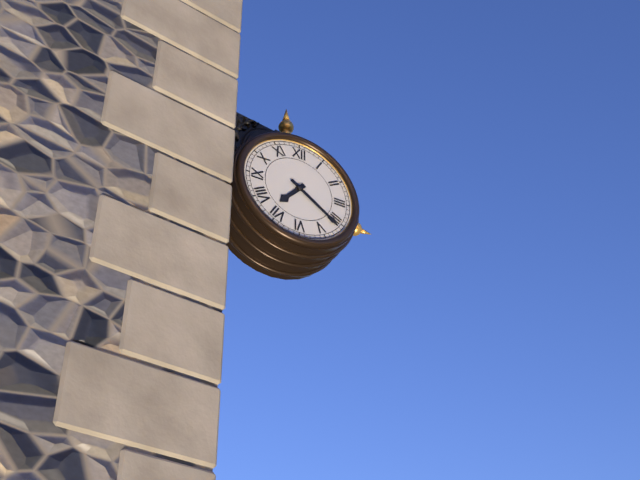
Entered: 7 h 21 min
